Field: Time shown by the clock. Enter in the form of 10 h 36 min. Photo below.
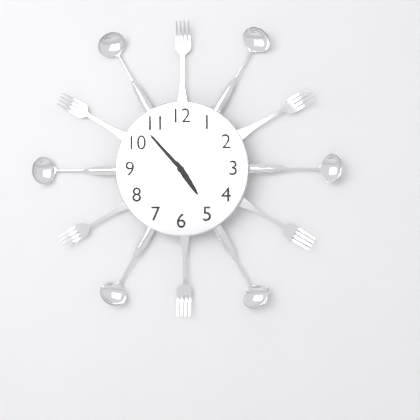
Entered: 4 h 53 min
